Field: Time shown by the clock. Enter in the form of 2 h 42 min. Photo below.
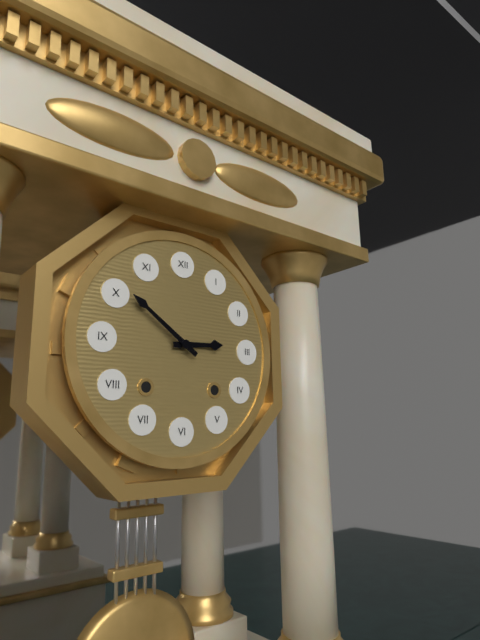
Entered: 2 h 51 min
